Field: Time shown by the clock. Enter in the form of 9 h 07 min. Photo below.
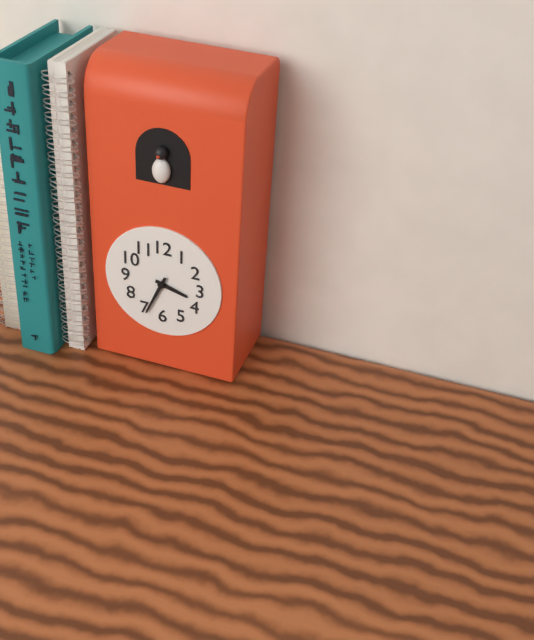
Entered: 3 h 34 min
